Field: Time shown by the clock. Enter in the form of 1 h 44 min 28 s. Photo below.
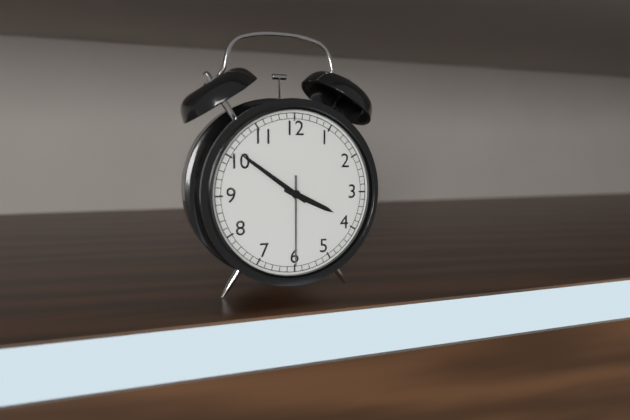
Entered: 3 h 51 min 30 s
